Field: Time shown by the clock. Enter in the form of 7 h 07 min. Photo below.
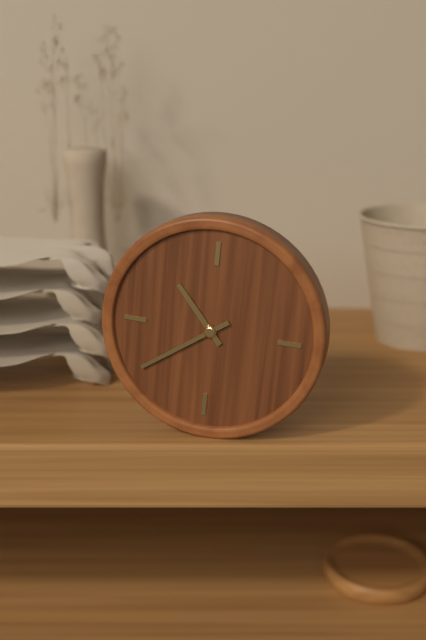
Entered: 10 h 39 min
